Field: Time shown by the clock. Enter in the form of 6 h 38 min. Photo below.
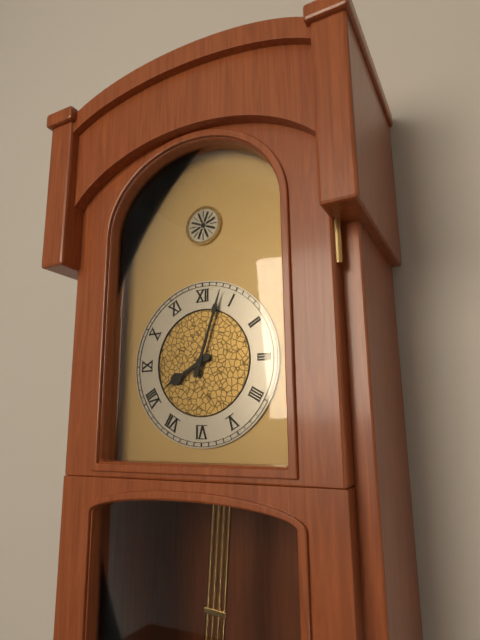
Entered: 8 h 03 min
